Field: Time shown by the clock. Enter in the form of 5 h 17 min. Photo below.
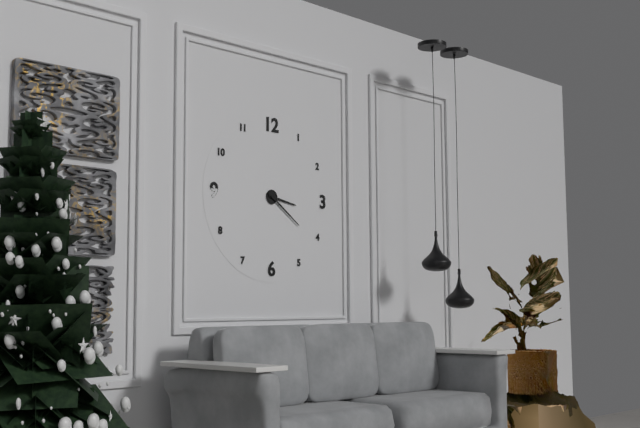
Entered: 3 h 21 min
